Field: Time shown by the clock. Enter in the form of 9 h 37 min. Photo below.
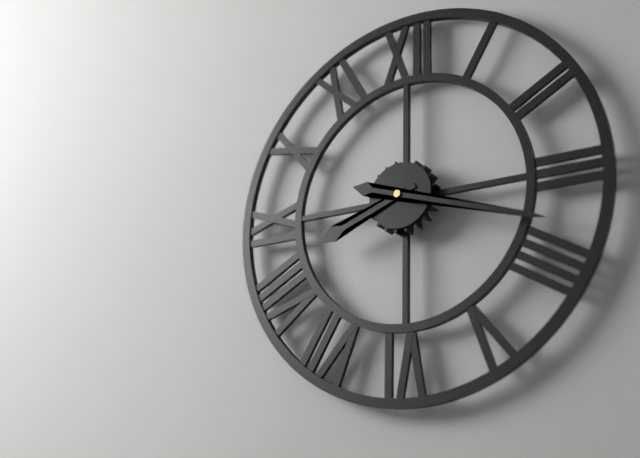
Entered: 8 h 18 min
